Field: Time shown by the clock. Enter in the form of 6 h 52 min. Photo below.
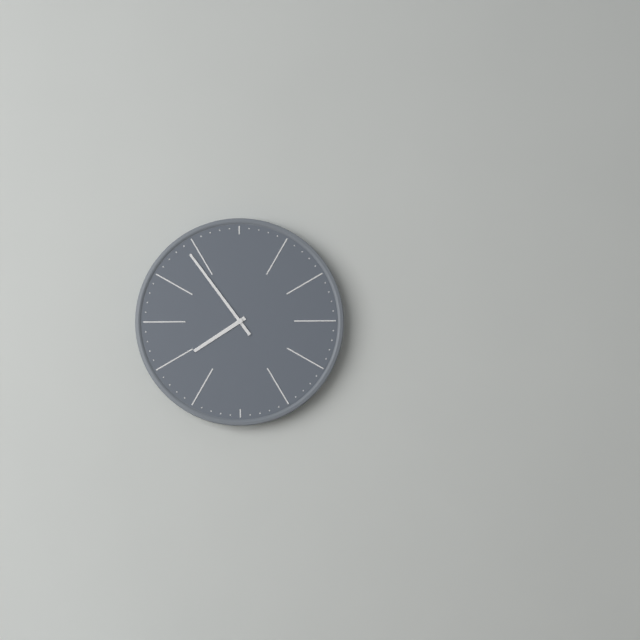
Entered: 7 h 54 min
